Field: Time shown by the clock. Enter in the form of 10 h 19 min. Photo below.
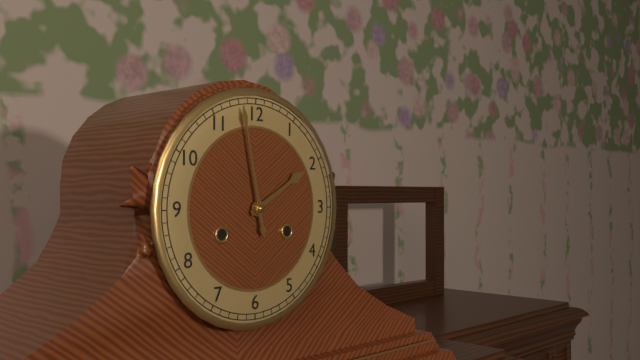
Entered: 1 h 58 min
